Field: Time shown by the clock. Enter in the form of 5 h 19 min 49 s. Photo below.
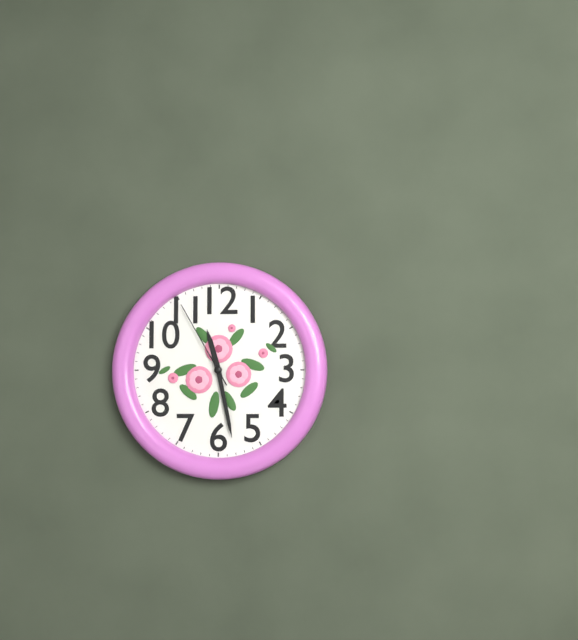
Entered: 11 h 28 min 55 s
